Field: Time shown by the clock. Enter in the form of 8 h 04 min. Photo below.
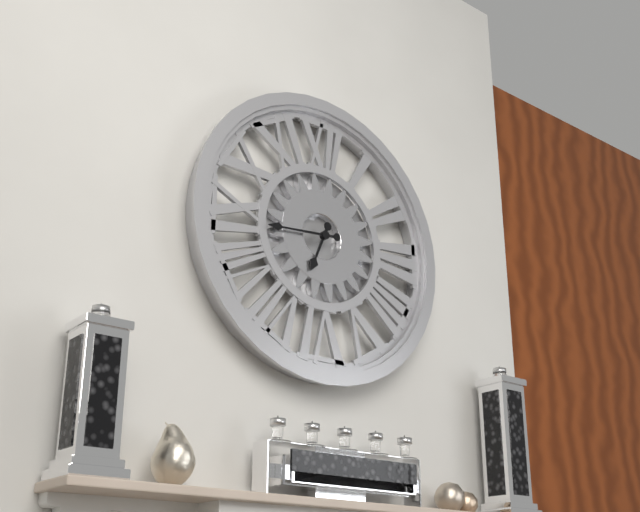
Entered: 6 h 44 min
